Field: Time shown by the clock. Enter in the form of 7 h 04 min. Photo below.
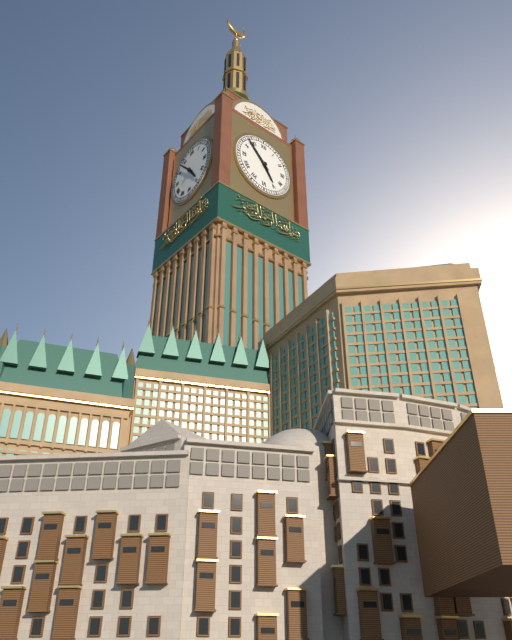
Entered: 4 h 53 min
